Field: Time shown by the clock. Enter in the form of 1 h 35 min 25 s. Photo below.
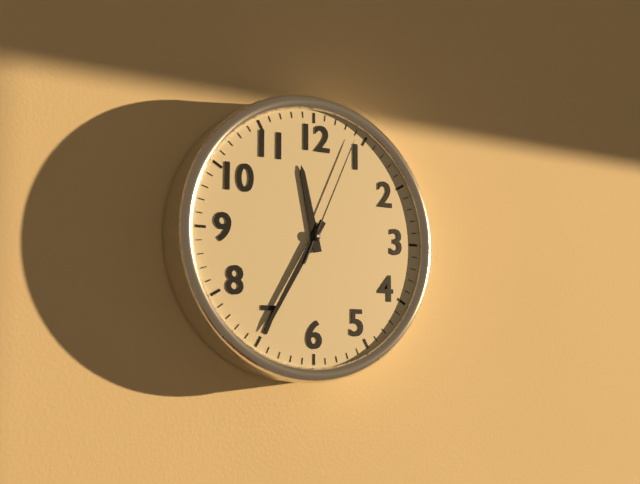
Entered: 11 h 35 min 04 s
